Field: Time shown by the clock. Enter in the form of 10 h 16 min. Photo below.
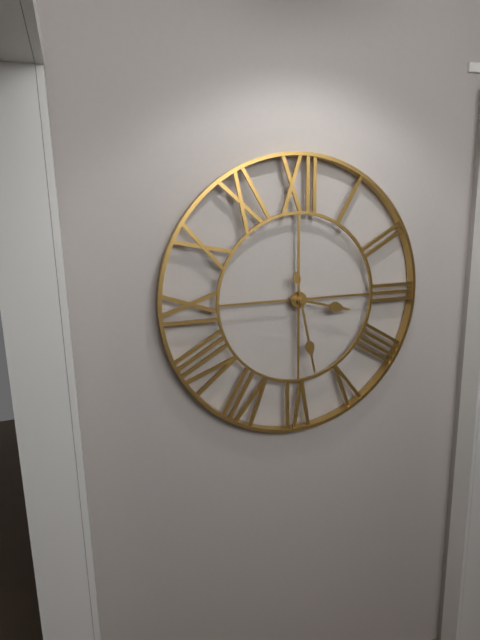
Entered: 3 h 28 min
